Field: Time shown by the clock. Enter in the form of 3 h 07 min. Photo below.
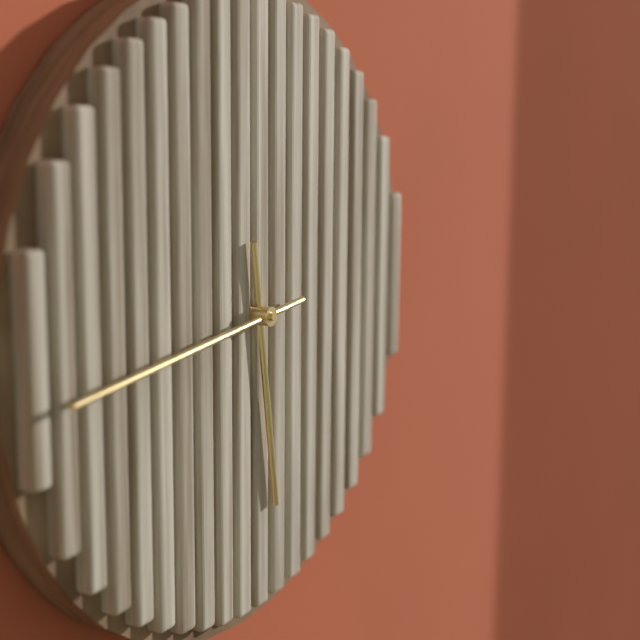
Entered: 5 h 44 min
